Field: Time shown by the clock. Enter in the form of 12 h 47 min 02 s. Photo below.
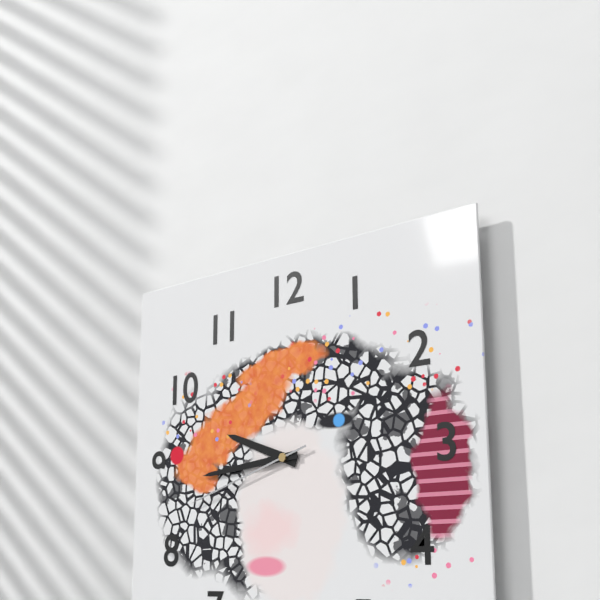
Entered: 9 h 44 min 42 s
